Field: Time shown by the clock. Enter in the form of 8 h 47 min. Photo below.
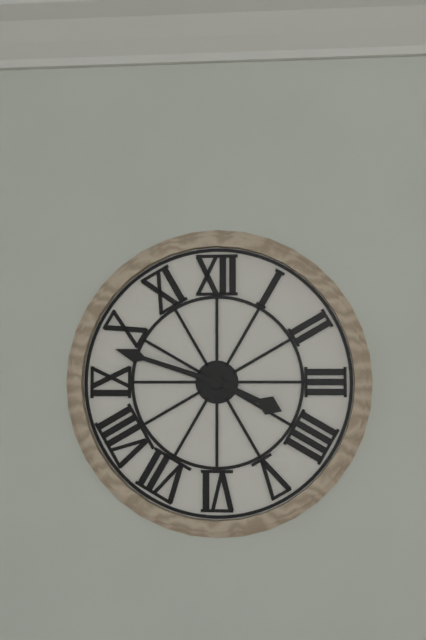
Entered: 3 h 48 min
